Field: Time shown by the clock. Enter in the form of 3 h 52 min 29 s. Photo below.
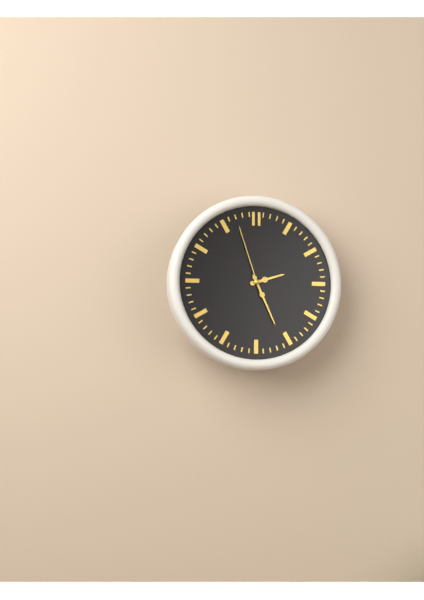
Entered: 2 h 26 min 57 s
